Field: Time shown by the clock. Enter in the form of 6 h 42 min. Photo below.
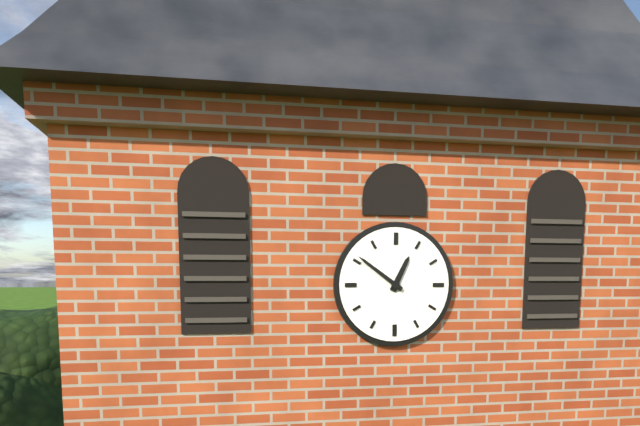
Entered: 12 h 51 min
